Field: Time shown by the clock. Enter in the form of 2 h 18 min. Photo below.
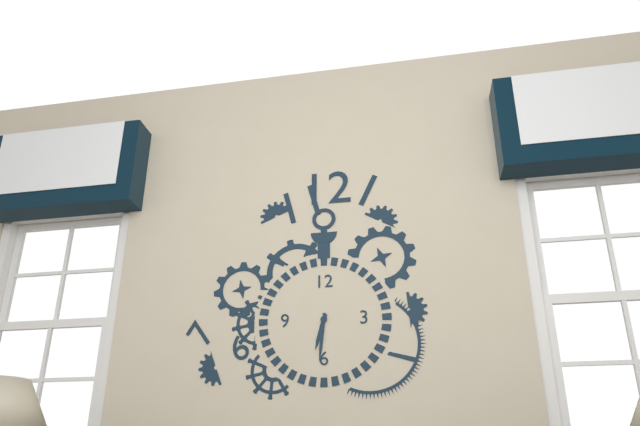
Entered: 6 h 31 min
